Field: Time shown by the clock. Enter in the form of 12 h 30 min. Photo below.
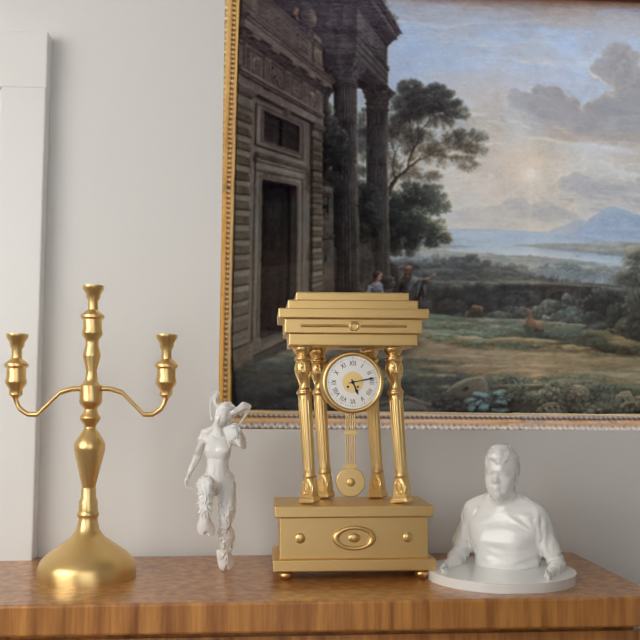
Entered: 5 h 13 min
